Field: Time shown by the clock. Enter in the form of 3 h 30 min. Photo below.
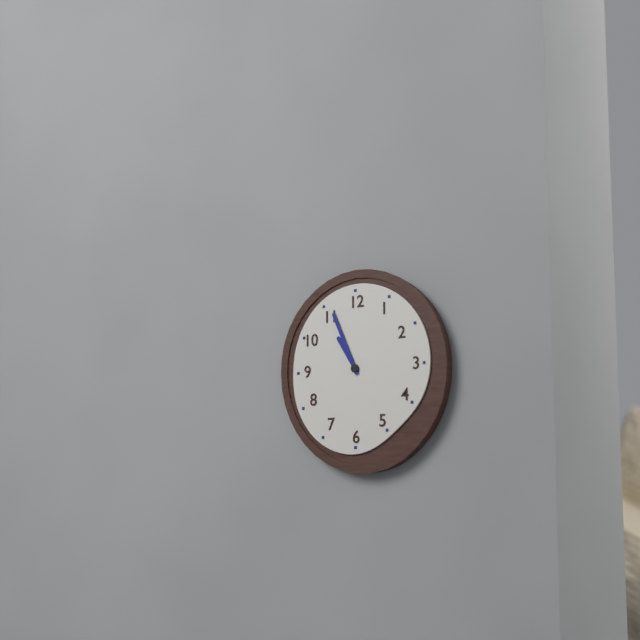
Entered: 10 h 56 min
